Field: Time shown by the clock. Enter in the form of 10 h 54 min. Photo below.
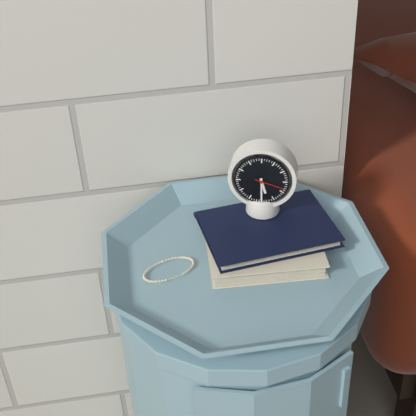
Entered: 5 h 30 min
